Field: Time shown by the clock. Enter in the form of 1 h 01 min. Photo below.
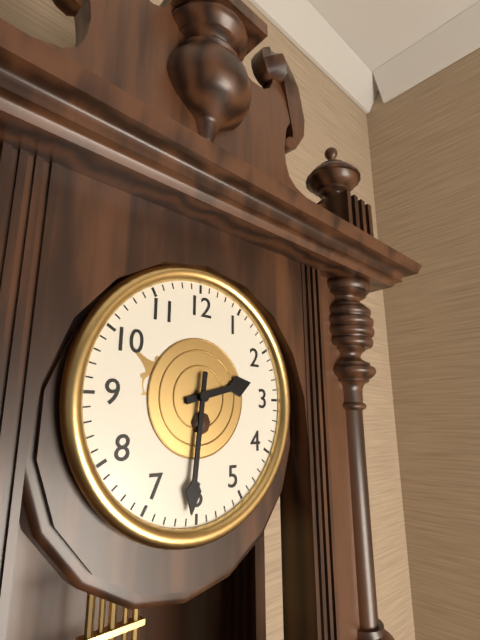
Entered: 2 h 31 min
